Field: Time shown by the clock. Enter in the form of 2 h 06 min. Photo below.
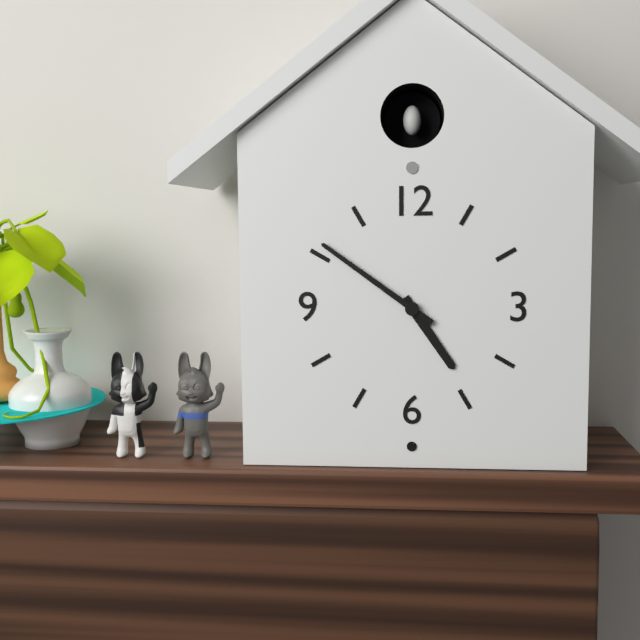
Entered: 4 h 51 min
